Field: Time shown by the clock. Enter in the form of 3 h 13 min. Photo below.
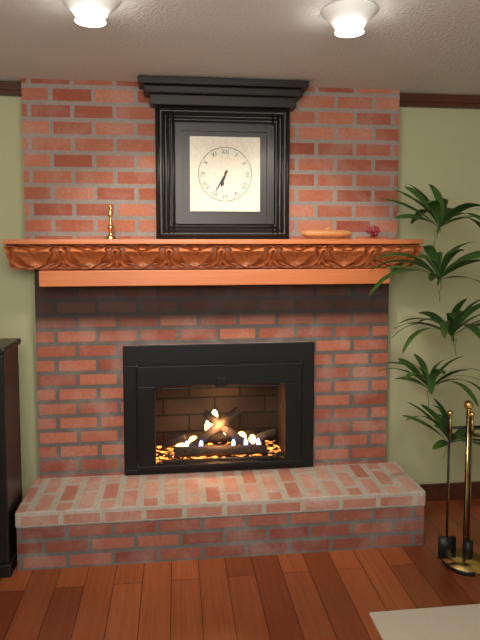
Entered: 6 h 35 min
